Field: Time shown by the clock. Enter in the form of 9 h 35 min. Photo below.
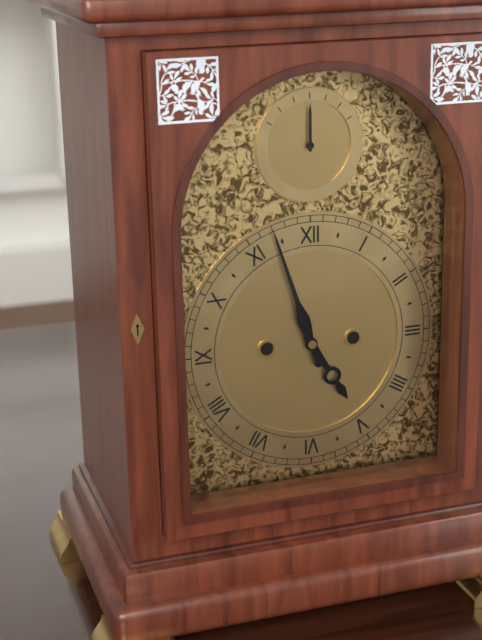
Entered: 4 h 57 min
